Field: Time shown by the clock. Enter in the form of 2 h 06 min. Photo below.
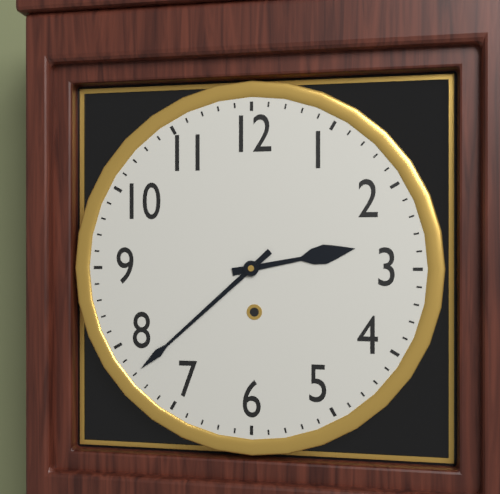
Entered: 2 h 38 min
